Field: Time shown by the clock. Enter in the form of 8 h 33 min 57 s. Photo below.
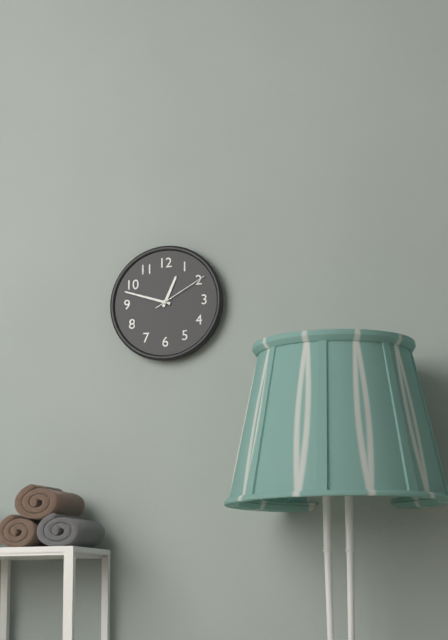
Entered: 12 h 48 min 10 s
